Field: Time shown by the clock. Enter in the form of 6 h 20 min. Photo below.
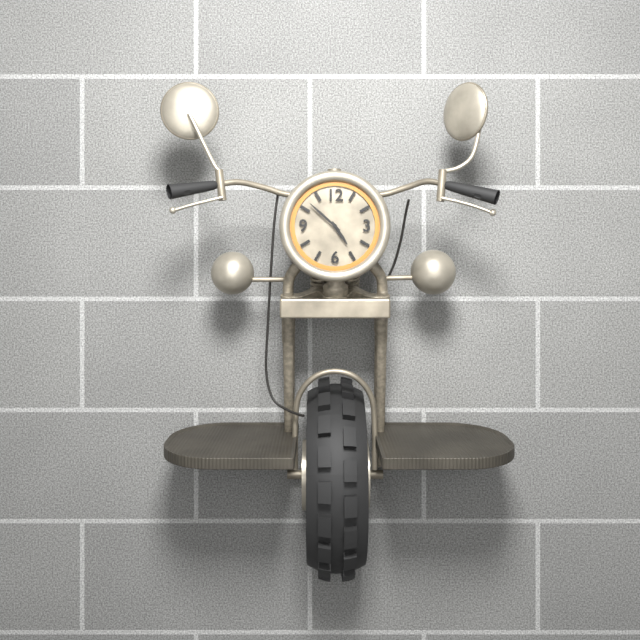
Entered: 4 h 52 min
